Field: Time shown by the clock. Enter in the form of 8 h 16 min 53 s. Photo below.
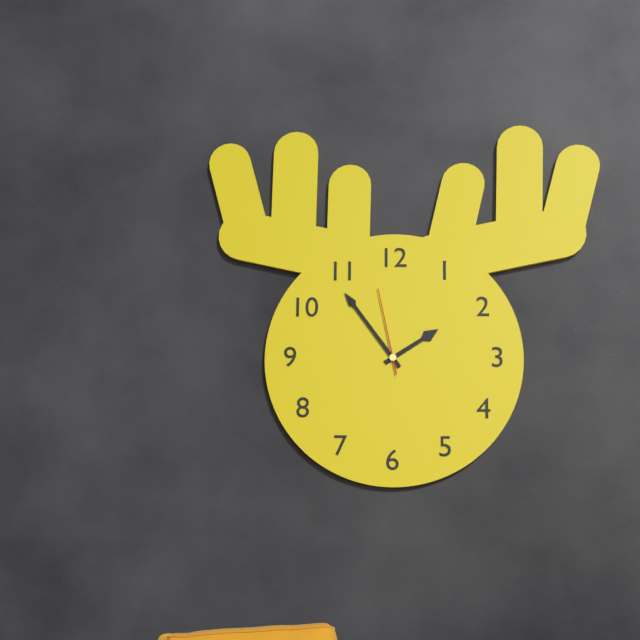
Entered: 1 h 54 min 58 s
